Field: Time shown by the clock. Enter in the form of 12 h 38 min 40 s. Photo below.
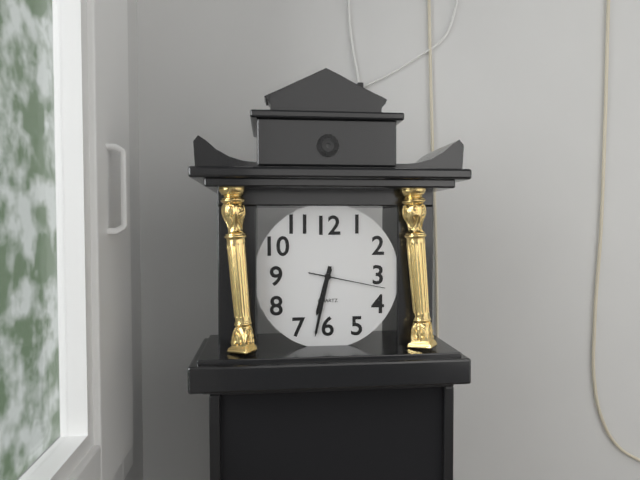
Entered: 6 h 32 min 17 s
